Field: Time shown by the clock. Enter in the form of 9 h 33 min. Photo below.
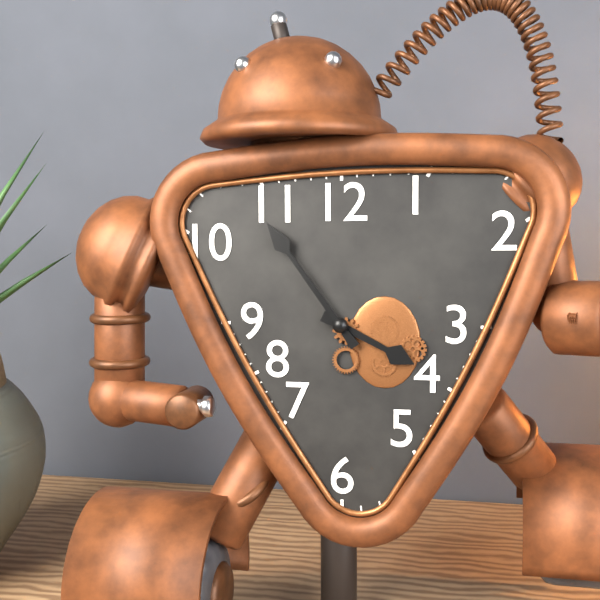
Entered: 3 h 54 min
